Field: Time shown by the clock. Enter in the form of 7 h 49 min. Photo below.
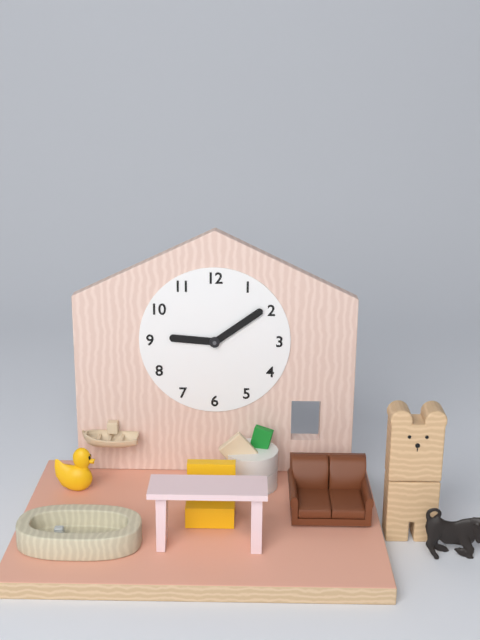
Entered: 9 h 09 min
